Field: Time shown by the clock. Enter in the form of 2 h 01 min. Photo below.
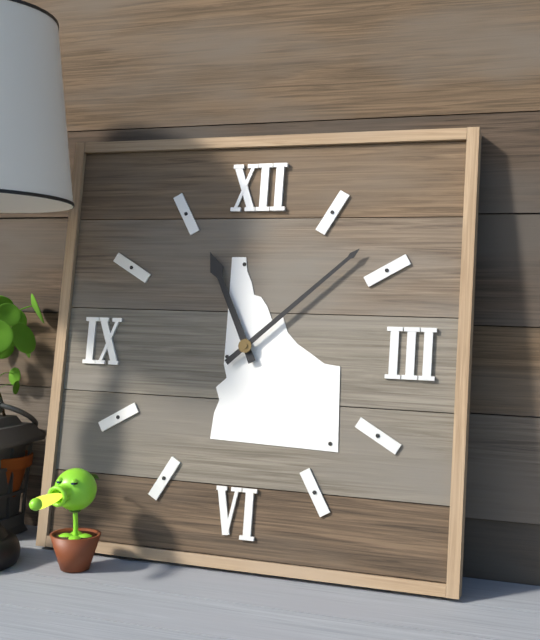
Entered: 11 h 08 min
